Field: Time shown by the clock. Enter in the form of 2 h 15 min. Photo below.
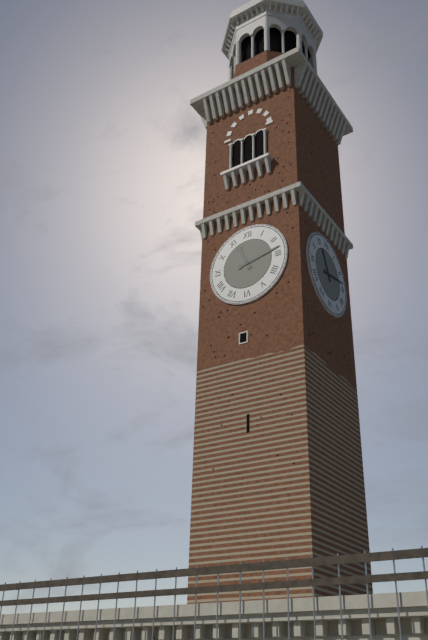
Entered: 11 h 13 min
